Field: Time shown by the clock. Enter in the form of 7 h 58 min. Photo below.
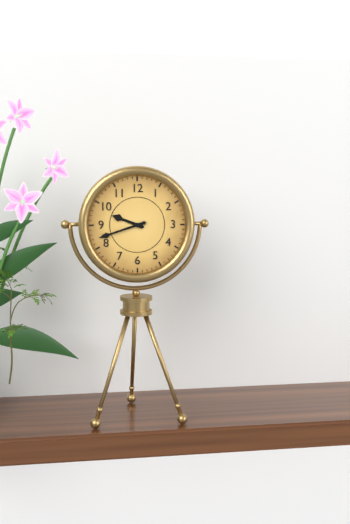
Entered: 9 h 42 min
